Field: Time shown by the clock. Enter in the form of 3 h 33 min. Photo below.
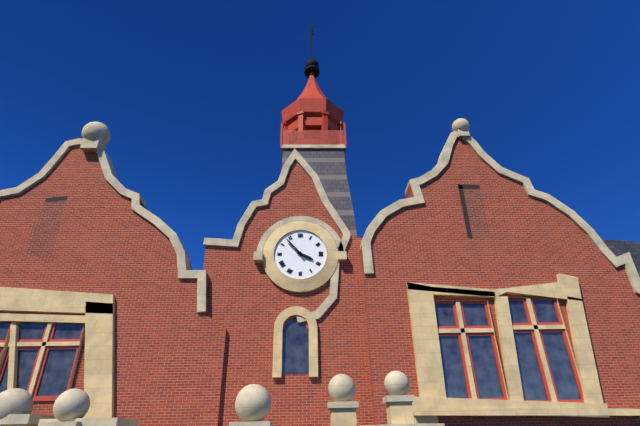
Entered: 3 h 53 min
